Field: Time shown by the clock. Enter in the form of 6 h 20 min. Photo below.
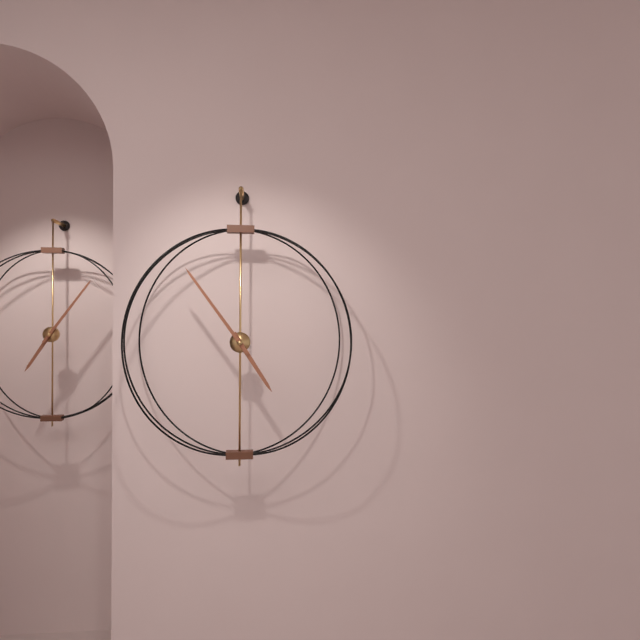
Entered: 4 h 54 min
